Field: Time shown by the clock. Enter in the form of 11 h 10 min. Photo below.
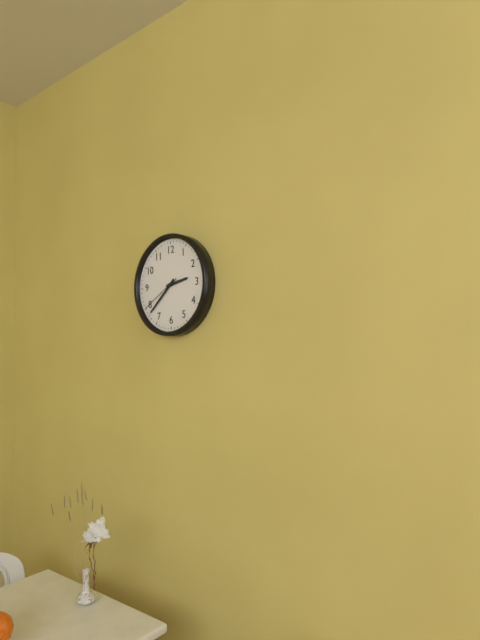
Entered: 2 h 38 min
